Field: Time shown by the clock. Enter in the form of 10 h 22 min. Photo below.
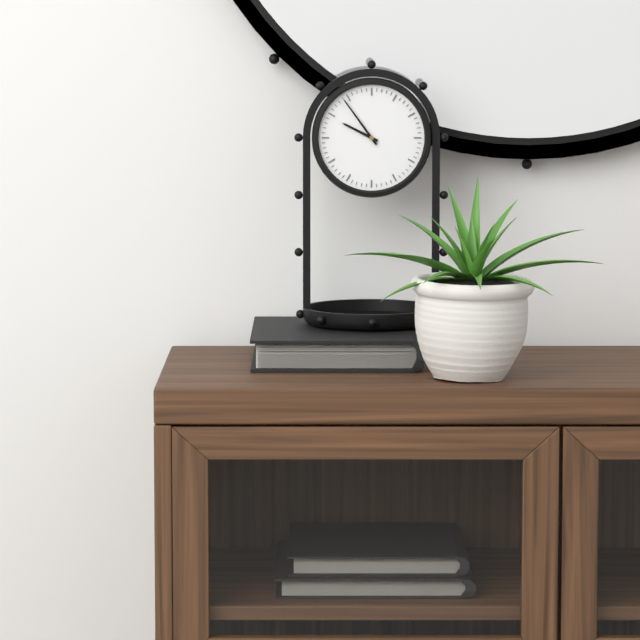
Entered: 9 h 54 min
